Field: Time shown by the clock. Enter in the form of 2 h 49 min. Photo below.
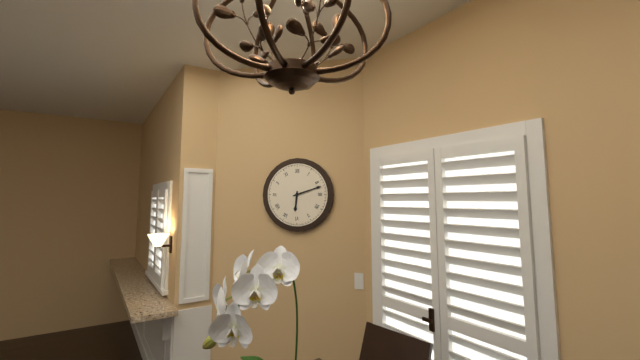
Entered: 6 h 12 min
